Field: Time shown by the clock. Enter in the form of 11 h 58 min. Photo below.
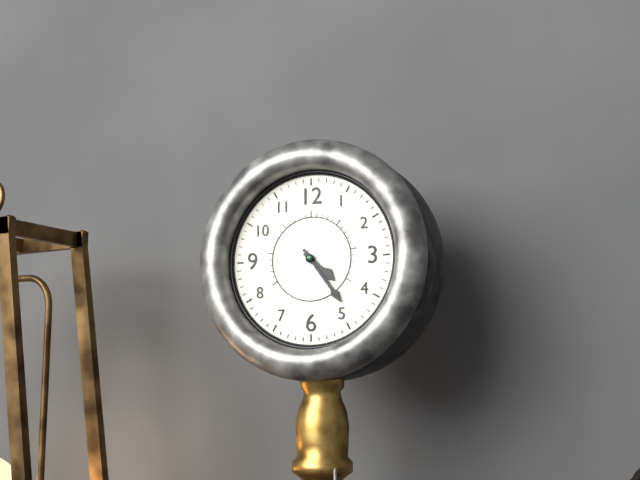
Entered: 4 h 24 min
